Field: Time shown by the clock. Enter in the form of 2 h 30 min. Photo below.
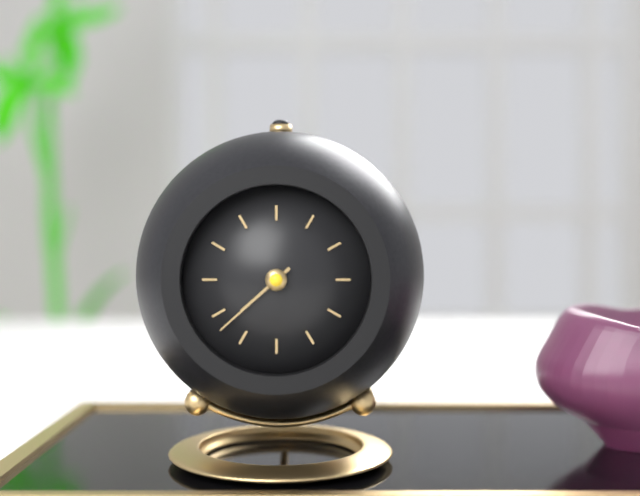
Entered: 7 h 38 min
